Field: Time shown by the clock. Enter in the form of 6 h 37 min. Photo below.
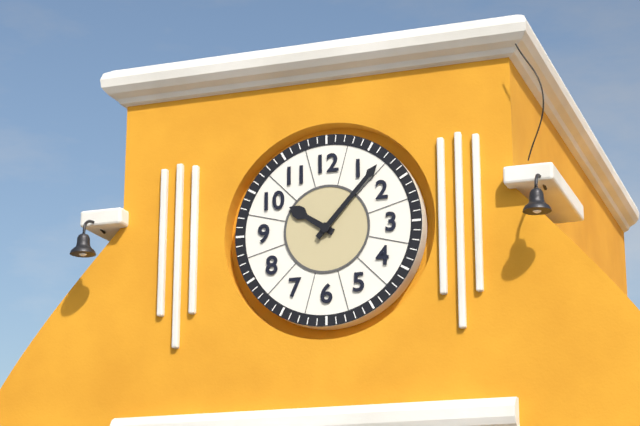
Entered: 10 h 07 min
